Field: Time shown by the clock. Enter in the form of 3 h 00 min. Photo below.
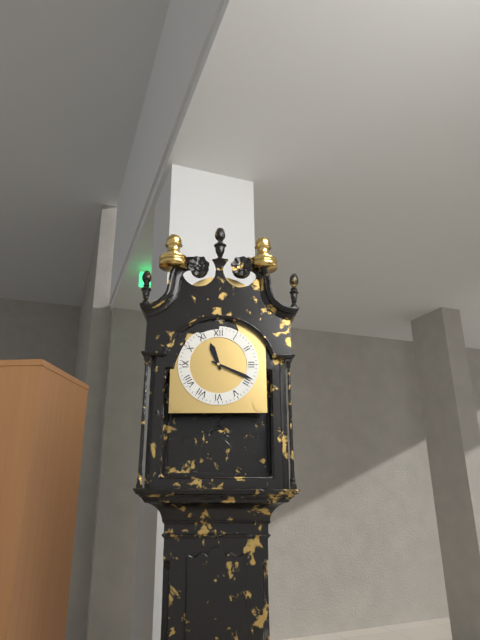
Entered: 11 h 19 min
